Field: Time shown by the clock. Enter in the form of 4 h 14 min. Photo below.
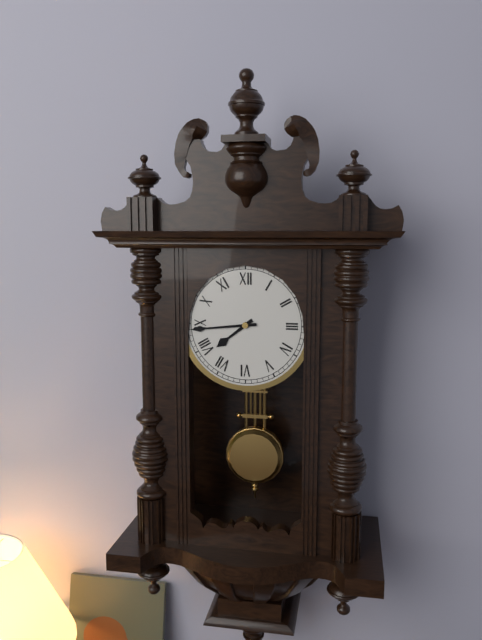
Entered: 7 h 44 min
